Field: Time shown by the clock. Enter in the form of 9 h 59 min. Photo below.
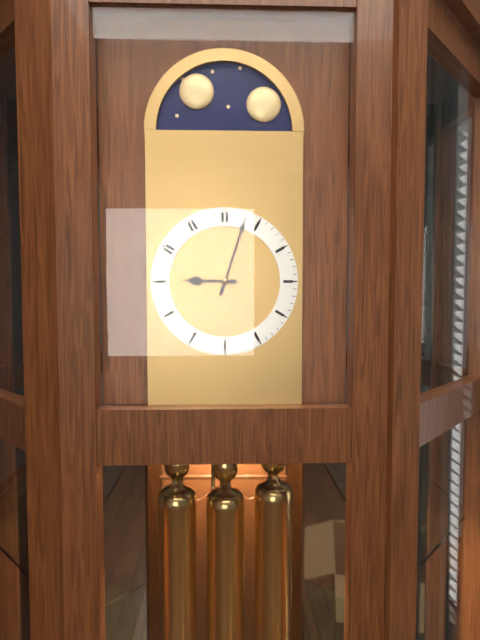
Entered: 9 h 03 min
